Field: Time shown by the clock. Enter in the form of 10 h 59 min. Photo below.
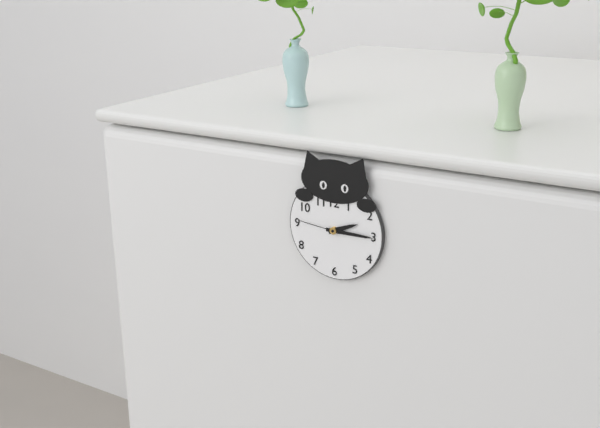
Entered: 2 h 15 min
